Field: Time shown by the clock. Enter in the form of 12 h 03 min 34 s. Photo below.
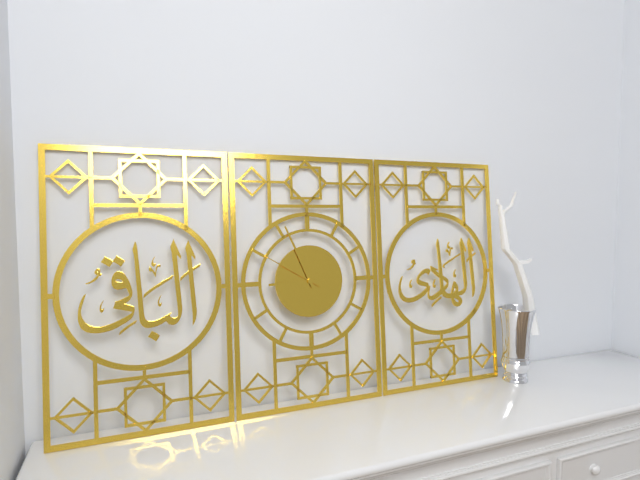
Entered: 8 h 56 min 50 s
